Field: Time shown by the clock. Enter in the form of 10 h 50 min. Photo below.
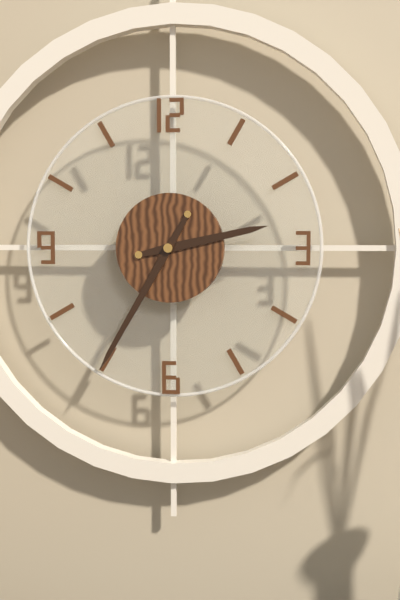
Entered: 2 h 35 min
